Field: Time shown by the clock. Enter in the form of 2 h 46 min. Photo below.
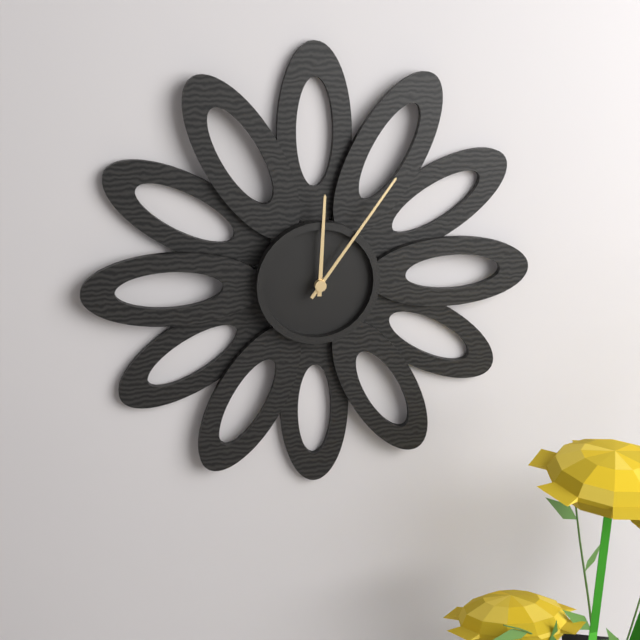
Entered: 12 h 06 min
